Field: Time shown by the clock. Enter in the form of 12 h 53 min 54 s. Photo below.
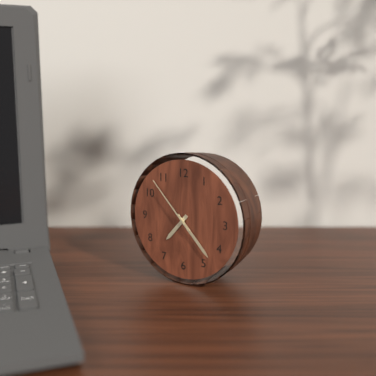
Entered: 7 h 23 min 53 s
